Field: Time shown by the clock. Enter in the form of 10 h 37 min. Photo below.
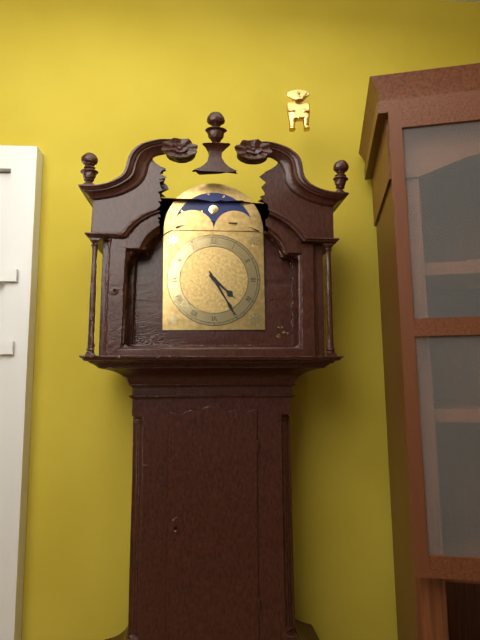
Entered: 4 h 25 min
